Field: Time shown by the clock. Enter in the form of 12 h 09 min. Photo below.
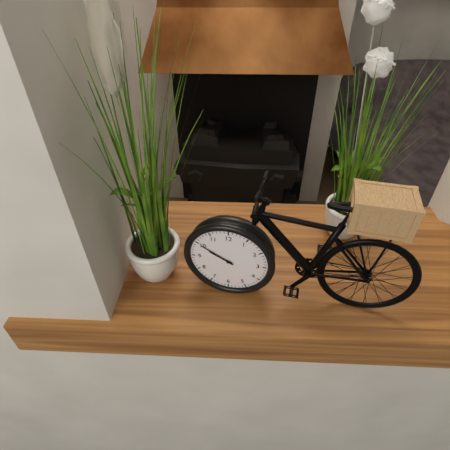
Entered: 9 h 50 min
